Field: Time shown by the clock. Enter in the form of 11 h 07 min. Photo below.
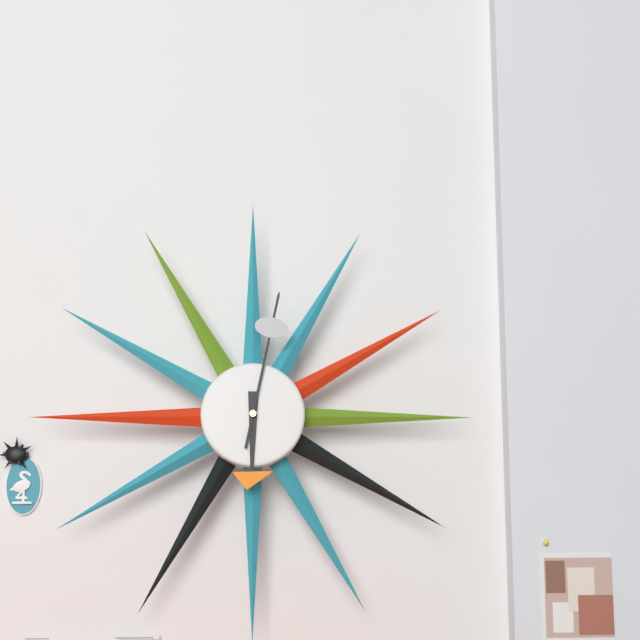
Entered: 6 h 02 min
